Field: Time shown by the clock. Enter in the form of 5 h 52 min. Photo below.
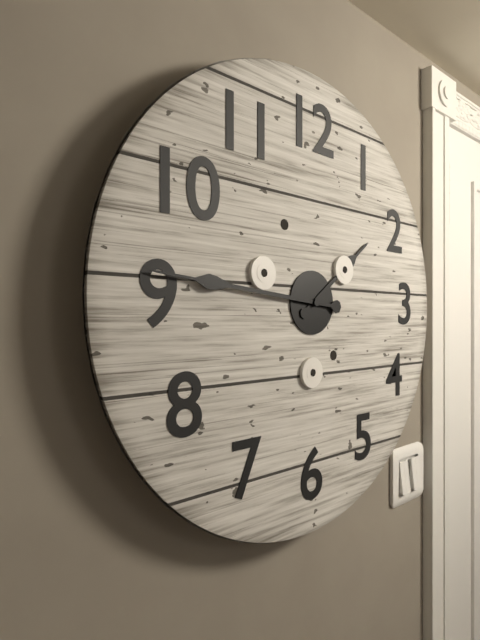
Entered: 1 h 46 min
